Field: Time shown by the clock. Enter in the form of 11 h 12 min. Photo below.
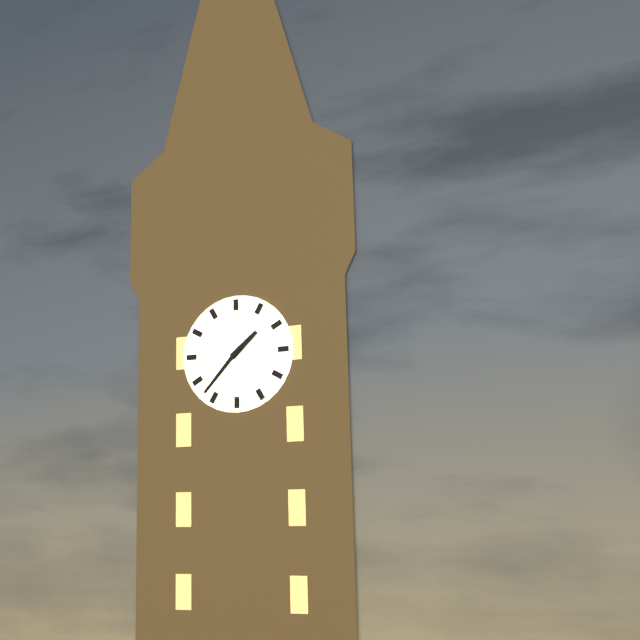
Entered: 1 h 37 min
